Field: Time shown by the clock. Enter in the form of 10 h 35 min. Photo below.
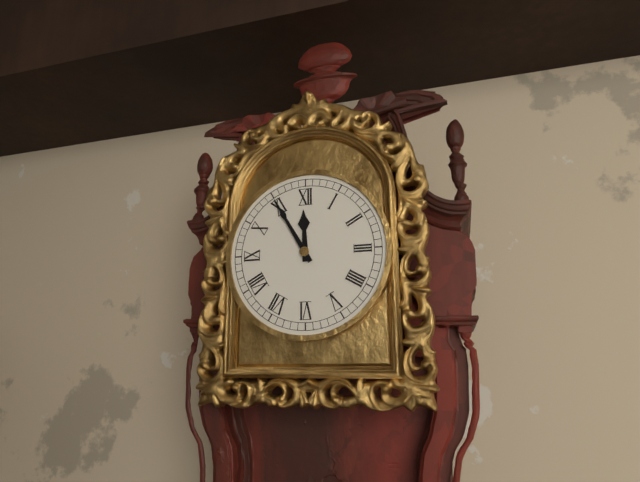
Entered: 11 h 55 min
